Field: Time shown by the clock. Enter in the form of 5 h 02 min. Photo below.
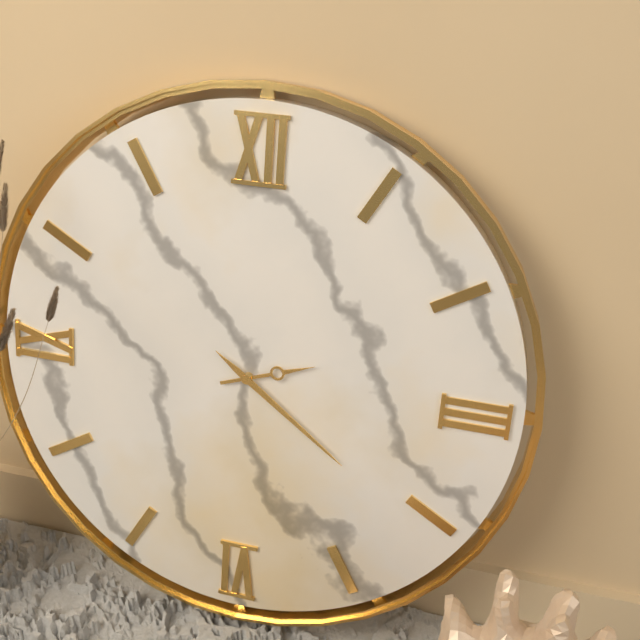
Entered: 2 h 21 min
